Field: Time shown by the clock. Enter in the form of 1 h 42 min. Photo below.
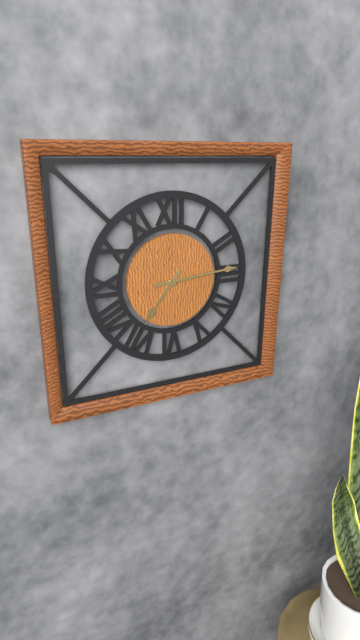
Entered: 7 h 14 min
